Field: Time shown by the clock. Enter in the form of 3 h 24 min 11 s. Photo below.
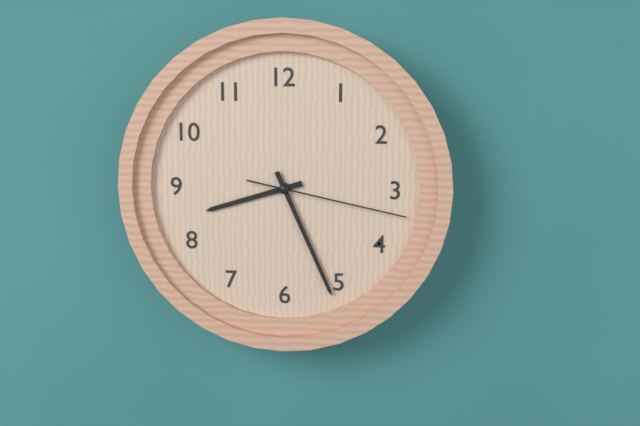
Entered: 8 h 26 min 17 s
